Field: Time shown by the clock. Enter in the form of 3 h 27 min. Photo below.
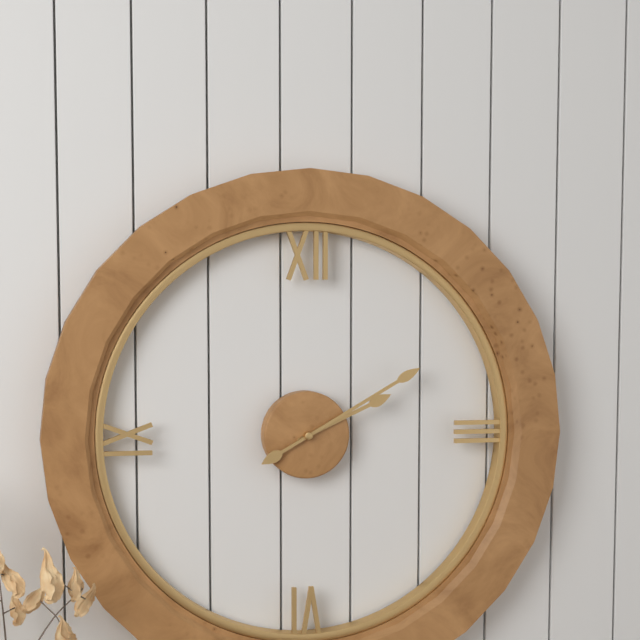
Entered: 2 h 10 min
